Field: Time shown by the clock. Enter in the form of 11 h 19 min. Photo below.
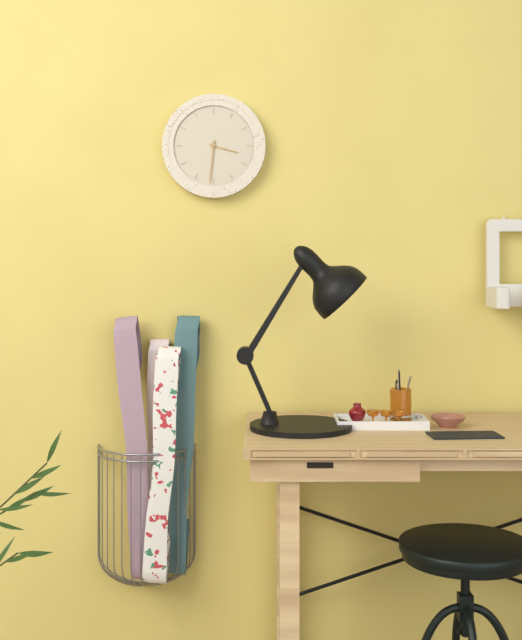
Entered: 3 h 31 min
